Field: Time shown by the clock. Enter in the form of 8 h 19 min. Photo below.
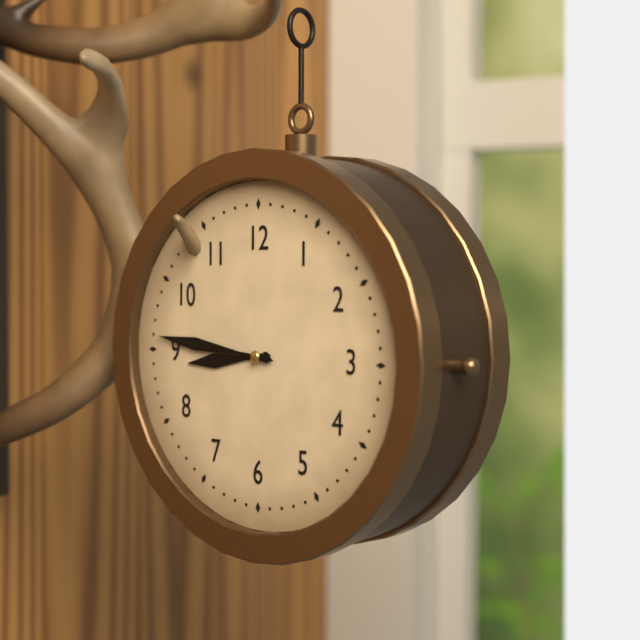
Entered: 8 h 46 min
